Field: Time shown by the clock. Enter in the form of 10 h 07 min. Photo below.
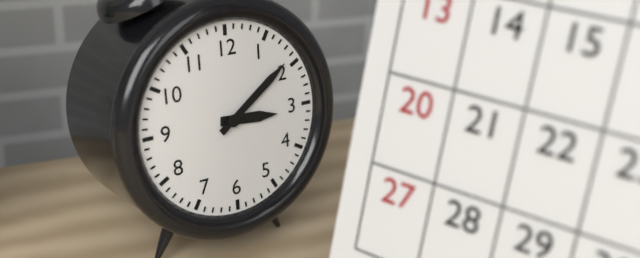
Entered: 3 h 09 min
